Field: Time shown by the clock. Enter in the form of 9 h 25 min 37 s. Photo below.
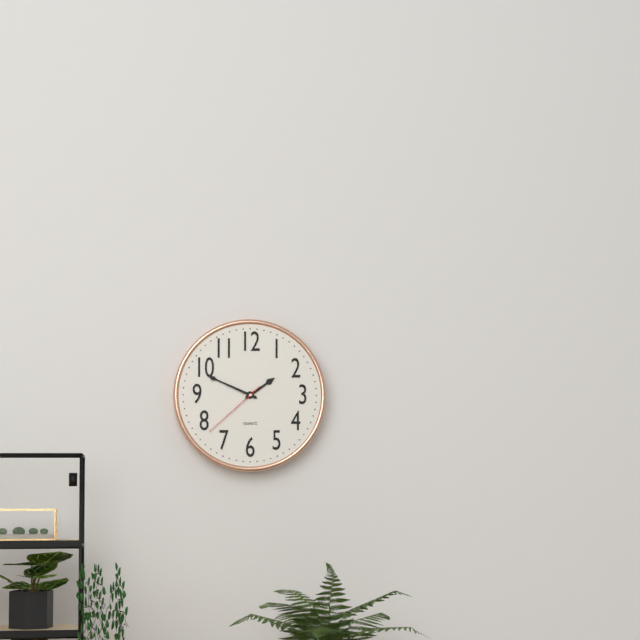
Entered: 1 h 49 min 38 s
